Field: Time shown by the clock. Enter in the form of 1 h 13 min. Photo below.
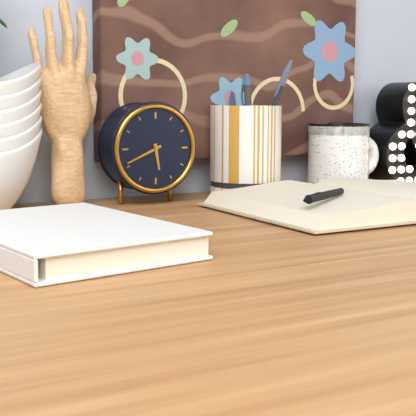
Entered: 5 h 41 min
